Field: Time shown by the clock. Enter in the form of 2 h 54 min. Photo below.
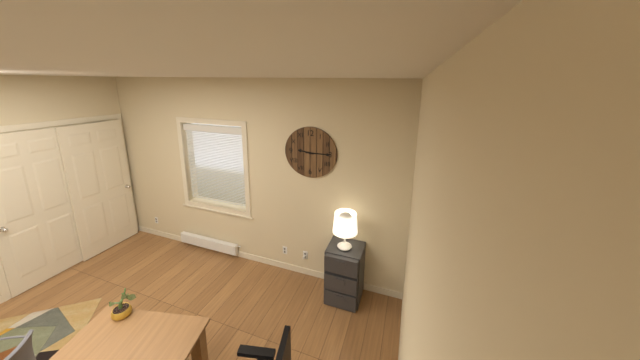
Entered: 9 h 15 min
